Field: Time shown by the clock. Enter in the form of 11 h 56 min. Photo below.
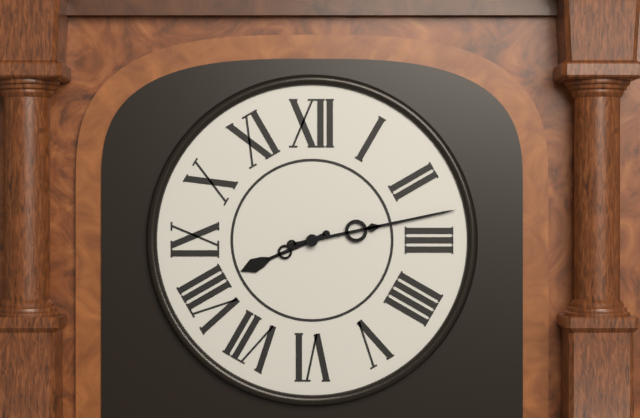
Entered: 8 h 13 min
